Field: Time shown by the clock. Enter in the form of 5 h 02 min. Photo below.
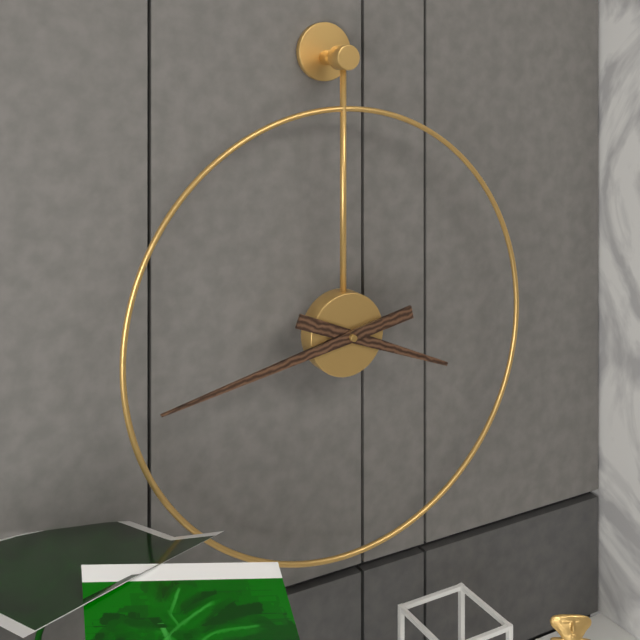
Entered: 3 h 43 min
